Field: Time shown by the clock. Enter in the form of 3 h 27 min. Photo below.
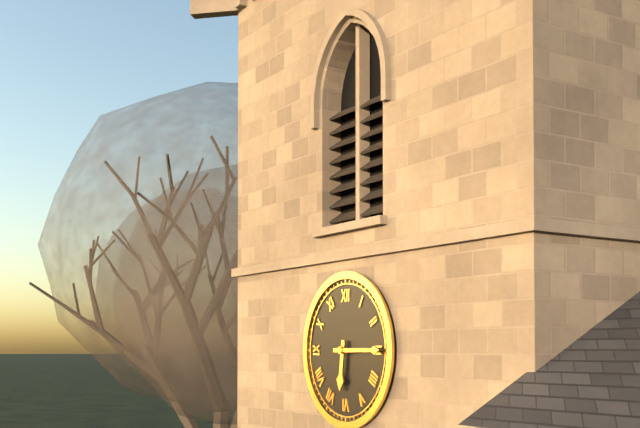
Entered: 6 h 15 min
